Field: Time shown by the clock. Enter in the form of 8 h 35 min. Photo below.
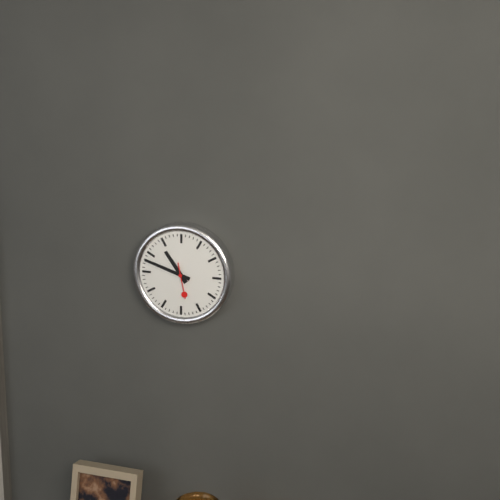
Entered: 10 h 48 min
